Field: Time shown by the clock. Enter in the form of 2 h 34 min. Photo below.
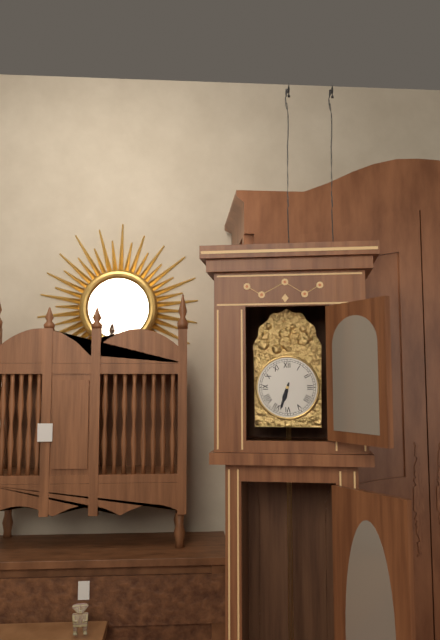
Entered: 6 h 33 min
